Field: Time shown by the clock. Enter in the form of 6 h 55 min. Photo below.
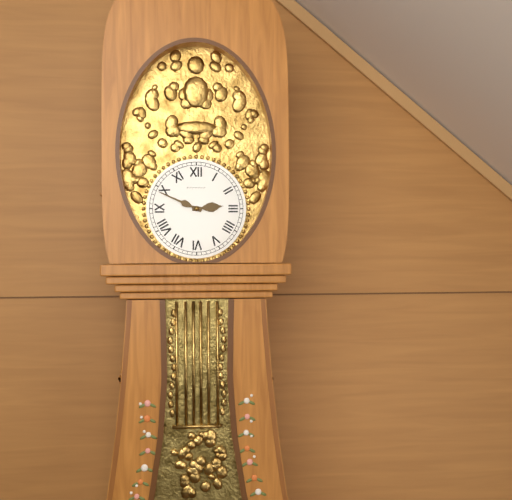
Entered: 2 h 49 min
